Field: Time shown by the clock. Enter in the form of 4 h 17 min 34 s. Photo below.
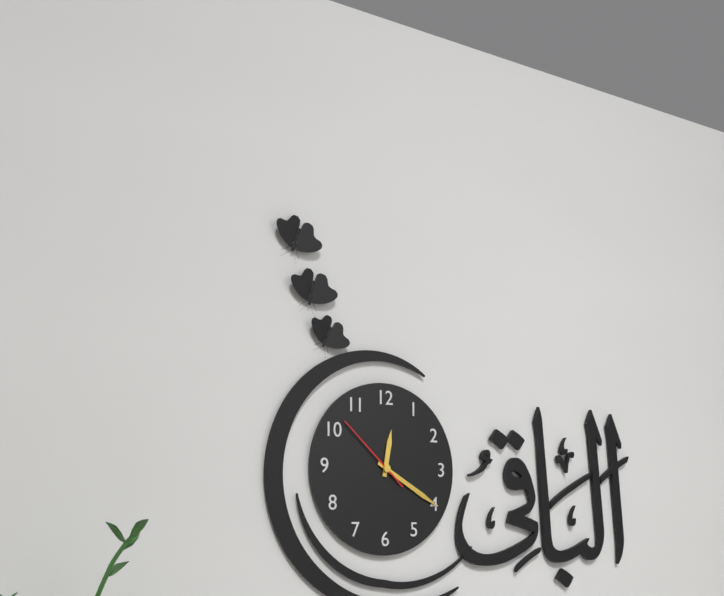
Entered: 12 h 20 min 52 s
